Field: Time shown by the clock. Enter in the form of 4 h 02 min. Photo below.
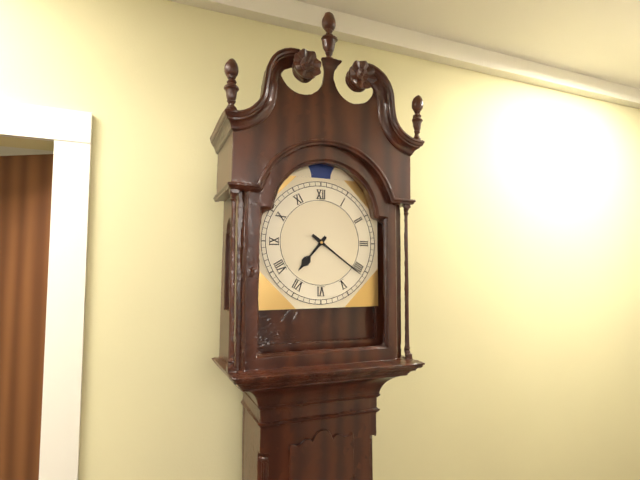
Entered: 7 h 21 min
